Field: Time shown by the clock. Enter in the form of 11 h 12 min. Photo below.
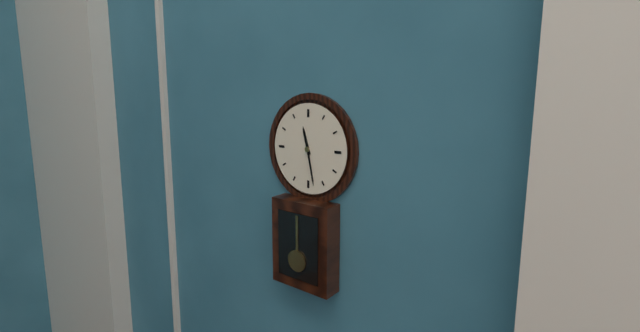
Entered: 11 h 28 min
